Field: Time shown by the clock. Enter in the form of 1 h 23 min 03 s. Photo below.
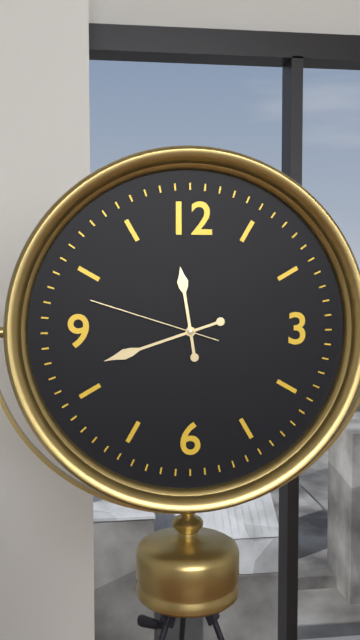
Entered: 11 h 42 min 48 s
